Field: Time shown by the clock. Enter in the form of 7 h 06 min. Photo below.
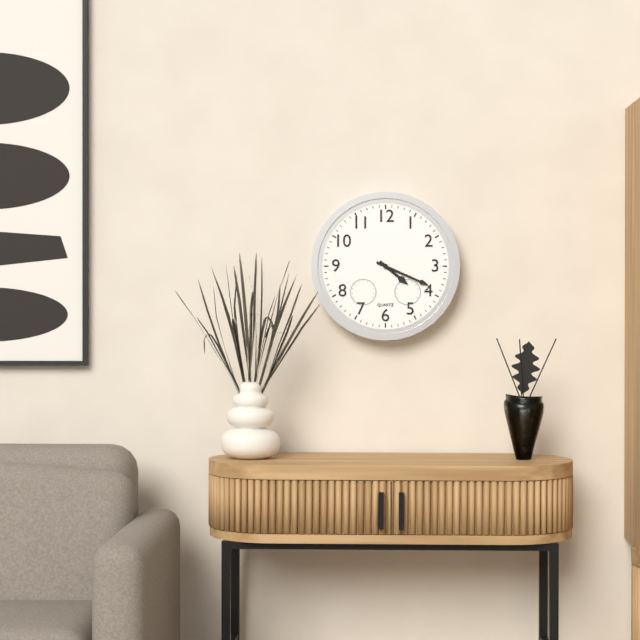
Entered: 4 h 19 min
